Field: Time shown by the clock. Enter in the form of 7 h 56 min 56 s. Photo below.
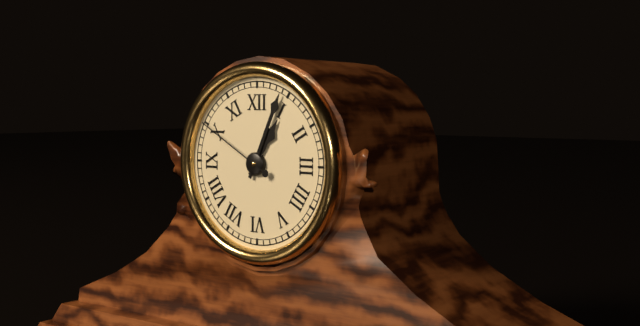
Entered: 1 h 04 min 50 s
